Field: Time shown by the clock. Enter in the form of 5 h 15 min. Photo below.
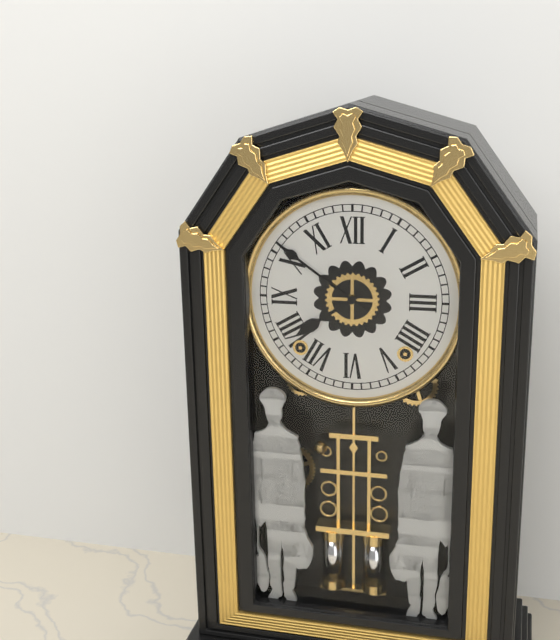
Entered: 7 h 51 min
